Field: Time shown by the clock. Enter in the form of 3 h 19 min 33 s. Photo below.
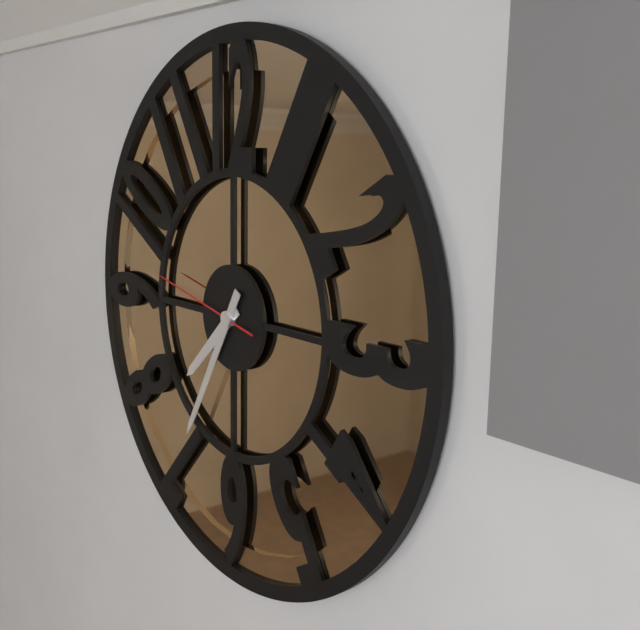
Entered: 7 h 35 min 47 s
